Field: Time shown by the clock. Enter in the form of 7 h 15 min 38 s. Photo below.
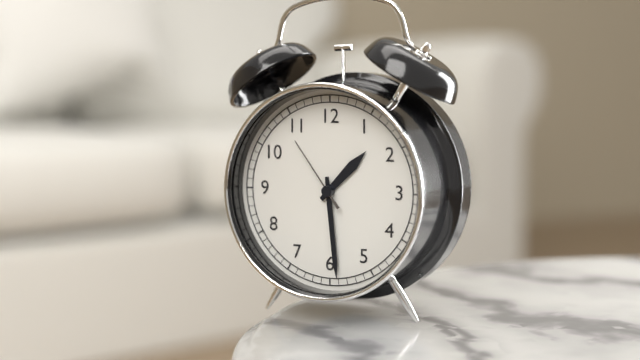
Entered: 1 h 29 min 54 s
